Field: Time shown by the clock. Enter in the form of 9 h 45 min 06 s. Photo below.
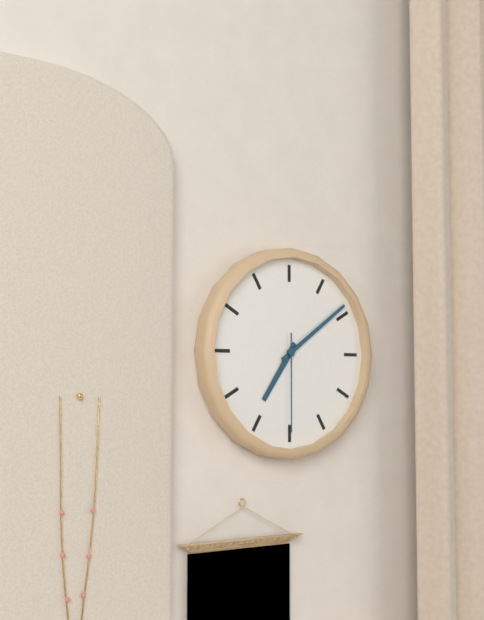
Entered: 7 h 09 min 30 s
